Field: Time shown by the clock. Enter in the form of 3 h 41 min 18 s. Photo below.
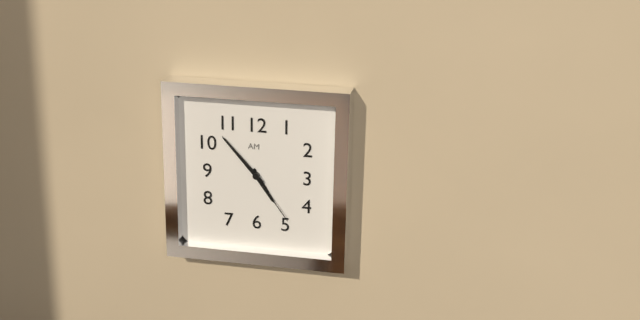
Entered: 4 h 53 min 24 s
